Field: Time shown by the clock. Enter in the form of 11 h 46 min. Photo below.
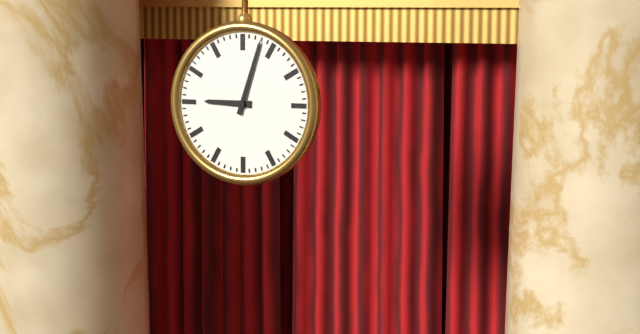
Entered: 9 h 03 min
